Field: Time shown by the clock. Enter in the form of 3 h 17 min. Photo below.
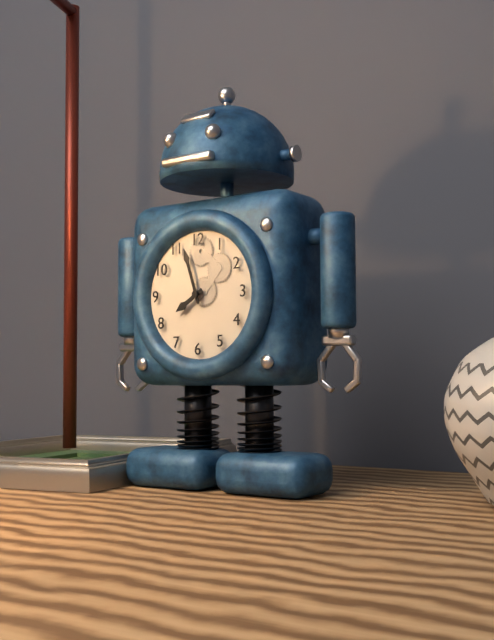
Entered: 7 h 57 min
